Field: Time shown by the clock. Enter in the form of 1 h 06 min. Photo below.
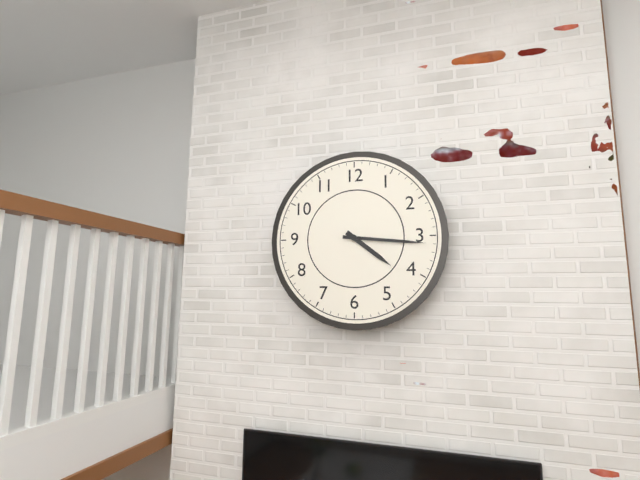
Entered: 4 h 16 min
